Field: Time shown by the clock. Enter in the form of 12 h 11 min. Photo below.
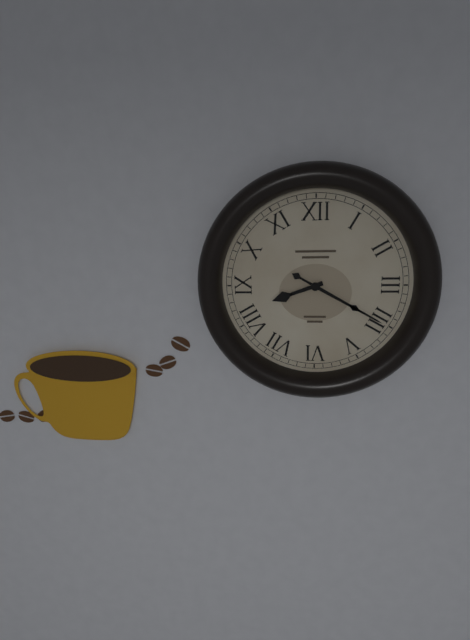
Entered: 8 h 20 min
